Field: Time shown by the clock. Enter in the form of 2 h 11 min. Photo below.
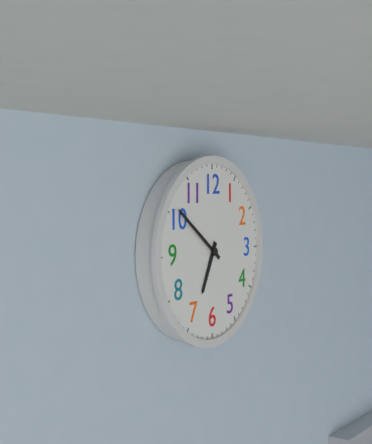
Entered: 6 h 51 min
